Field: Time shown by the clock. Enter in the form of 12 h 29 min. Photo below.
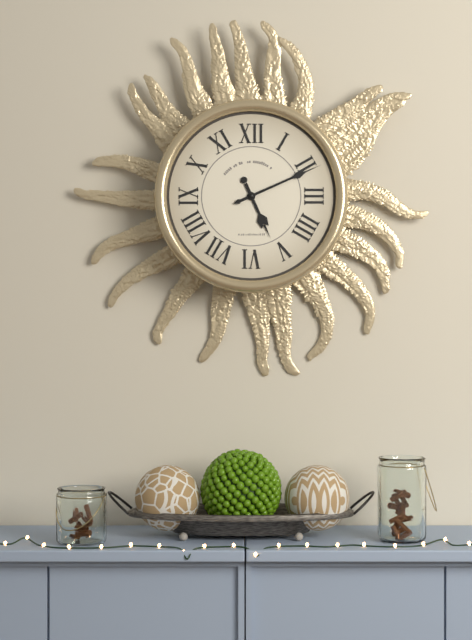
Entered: 5 h 11 min
